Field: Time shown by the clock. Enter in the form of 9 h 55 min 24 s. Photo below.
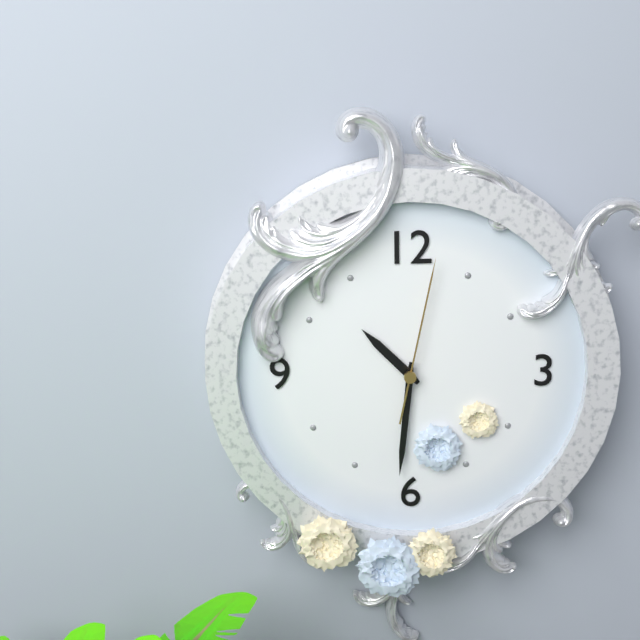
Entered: 10 h 31 min 02 s
